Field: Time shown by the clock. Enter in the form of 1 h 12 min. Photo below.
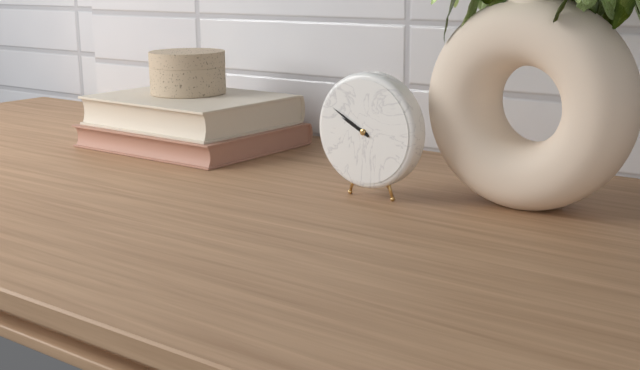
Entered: 9 h 50 min
